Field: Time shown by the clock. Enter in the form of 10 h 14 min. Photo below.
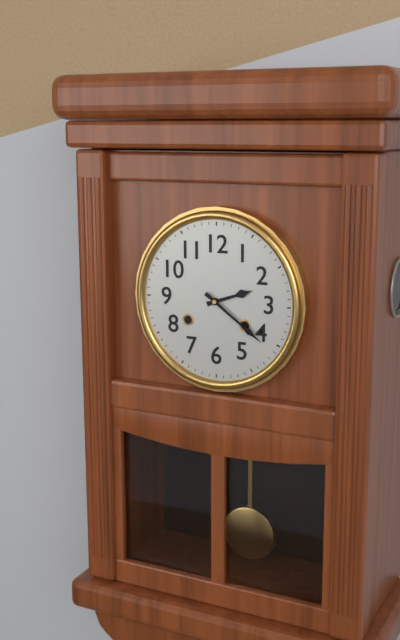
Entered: 2 h 21 min
